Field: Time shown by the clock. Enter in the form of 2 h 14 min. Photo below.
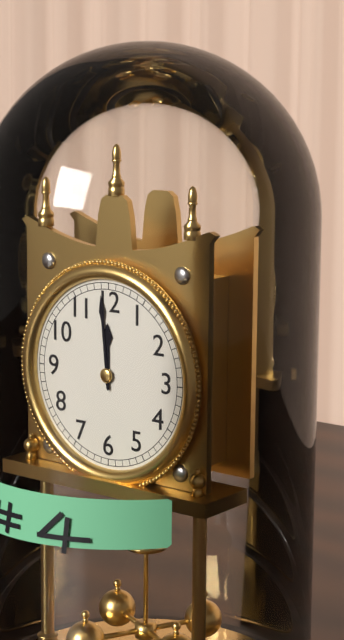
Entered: 11 h 59 min
